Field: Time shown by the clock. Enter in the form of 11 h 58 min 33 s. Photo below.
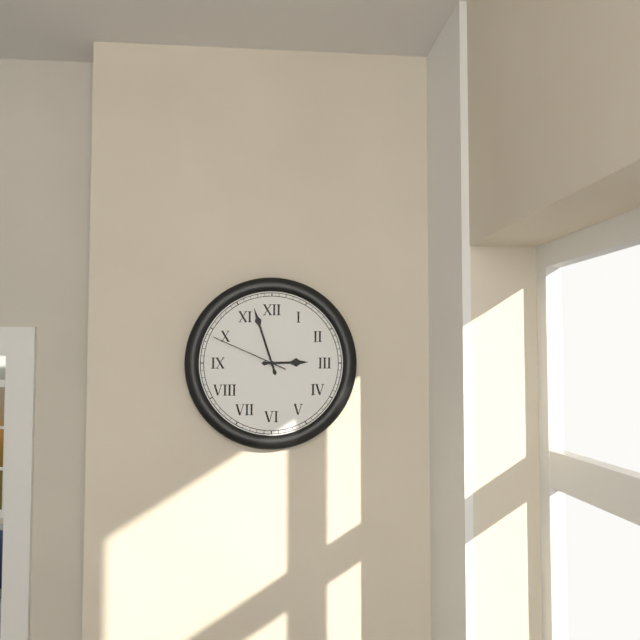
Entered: 2 h 57 min 49 s
